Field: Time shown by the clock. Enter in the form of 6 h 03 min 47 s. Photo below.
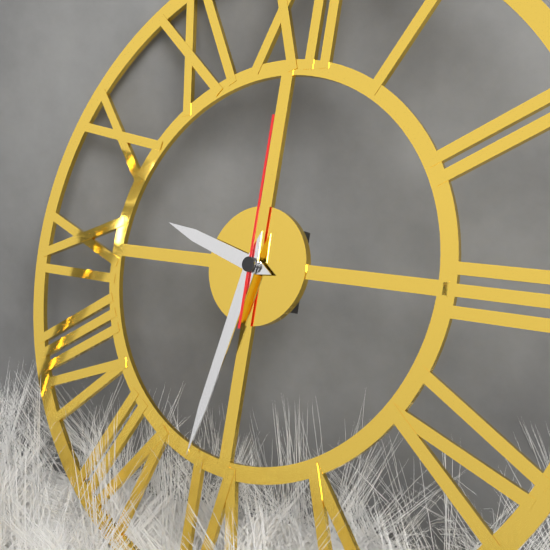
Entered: 9 h 32 min 00 s
